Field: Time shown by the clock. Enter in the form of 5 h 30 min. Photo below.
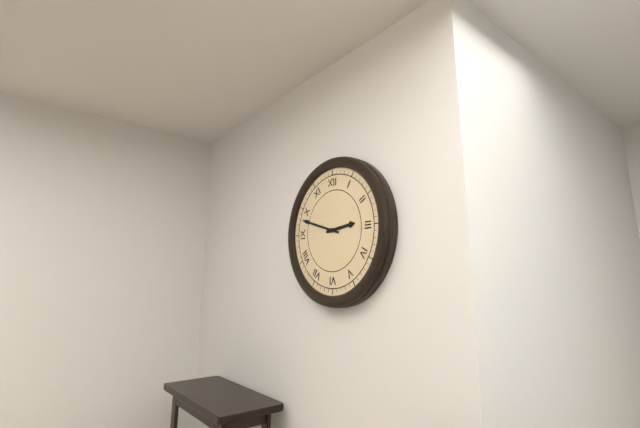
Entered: 2 h 48 min
